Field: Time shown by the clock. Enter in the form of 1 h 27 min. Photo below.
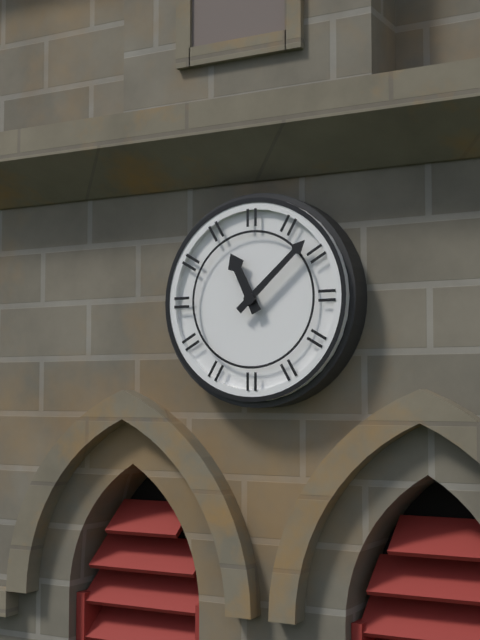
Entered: 11 h 08 min
